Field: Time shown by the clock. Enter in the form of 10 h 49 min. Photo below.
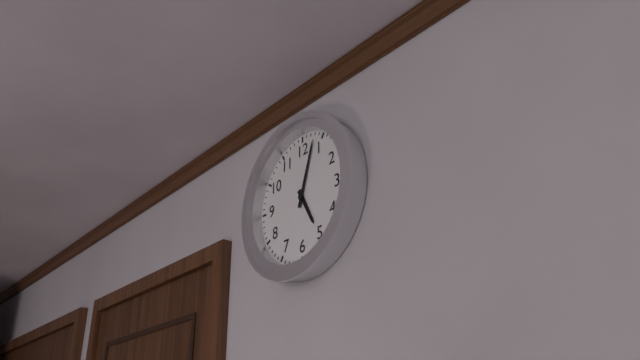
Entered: 5 h 03 min
